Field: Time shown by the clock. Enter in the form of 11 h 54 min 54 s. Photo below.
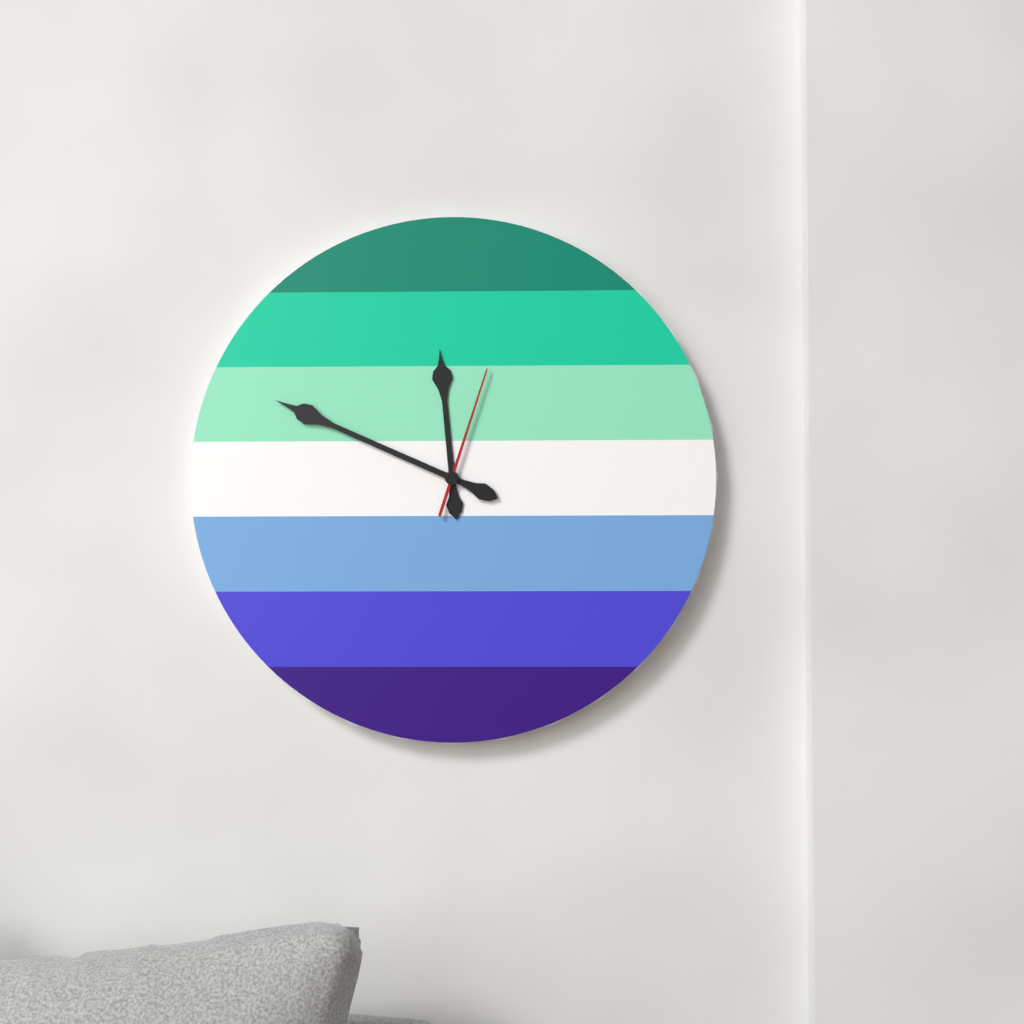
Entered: 11 h 49 min 03 s
